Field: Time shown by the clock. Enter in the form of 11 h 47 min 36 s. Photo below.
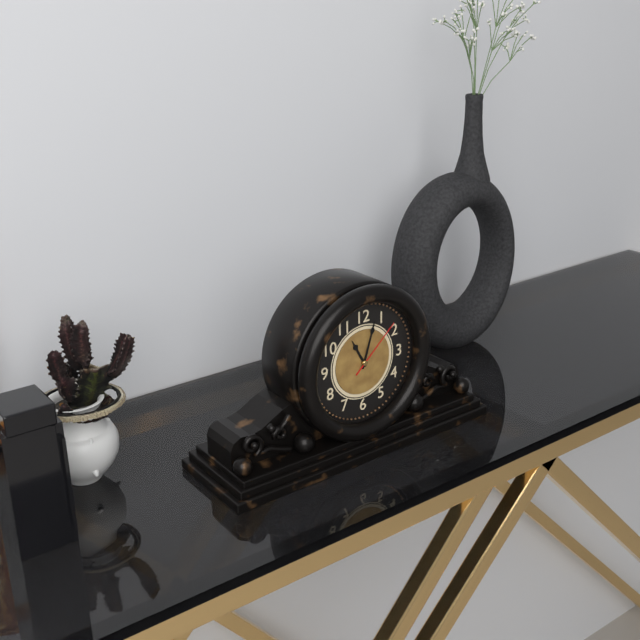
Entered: 11 h 03 min 08 s
